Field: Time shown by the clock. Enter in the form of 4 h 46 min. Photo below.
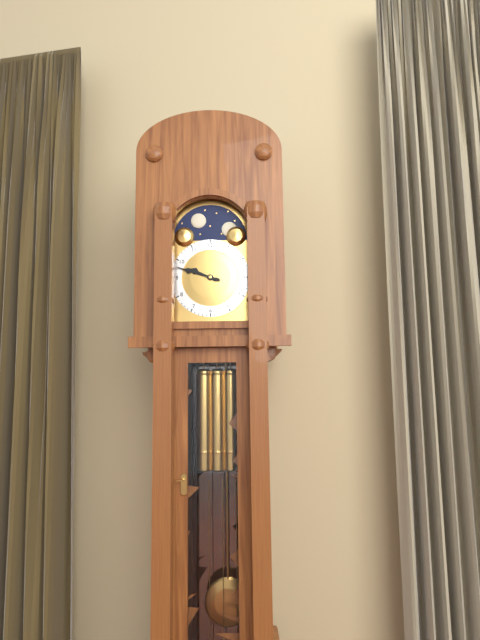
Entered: 9 h 48 min
